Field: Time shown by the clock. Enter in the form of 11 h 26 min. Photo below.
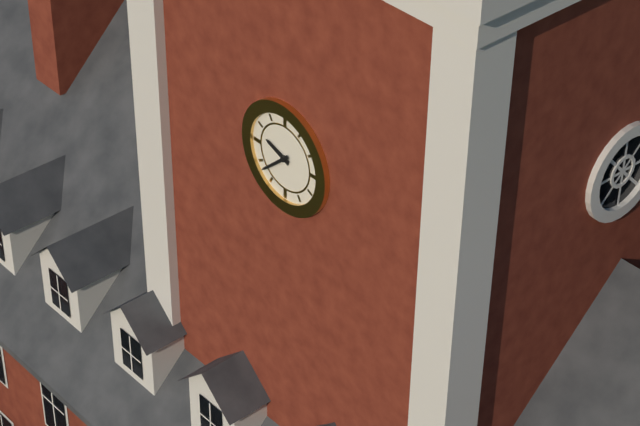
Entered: 9 h 38 min
